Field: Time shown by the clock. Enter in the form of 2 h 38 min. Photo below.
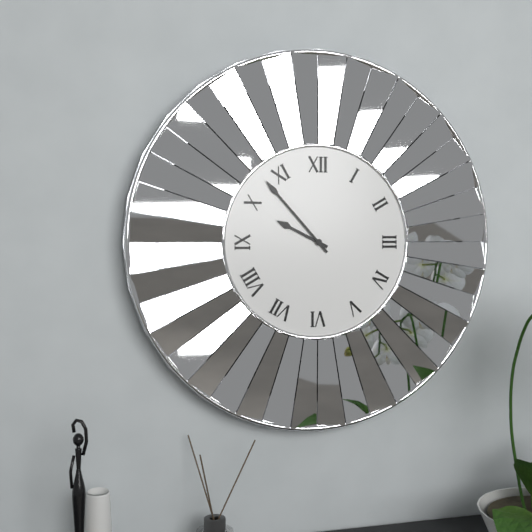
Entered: 9 h 53 min
